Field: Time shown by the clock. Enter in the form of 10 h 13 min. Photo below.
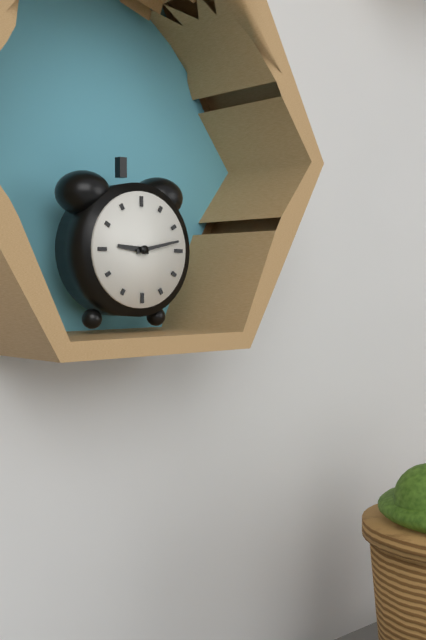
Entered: 9 h 13 min
